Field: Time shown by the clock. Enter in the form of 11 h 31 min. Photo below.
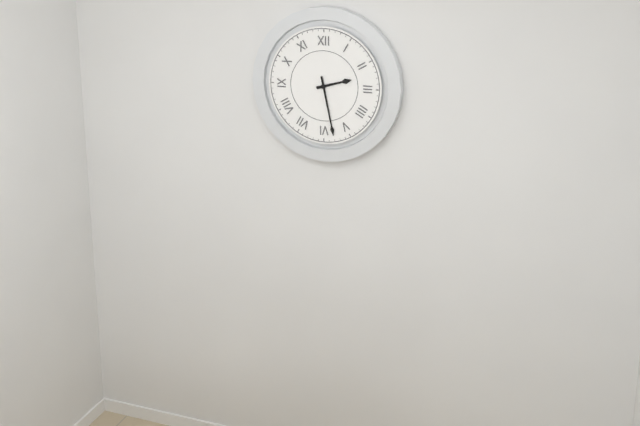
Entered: 2 h 28 min
